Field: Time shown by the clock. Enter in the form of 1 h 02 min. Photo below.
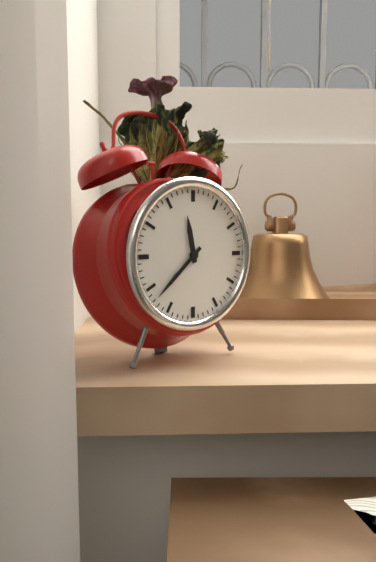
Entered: 11 h 38 min
